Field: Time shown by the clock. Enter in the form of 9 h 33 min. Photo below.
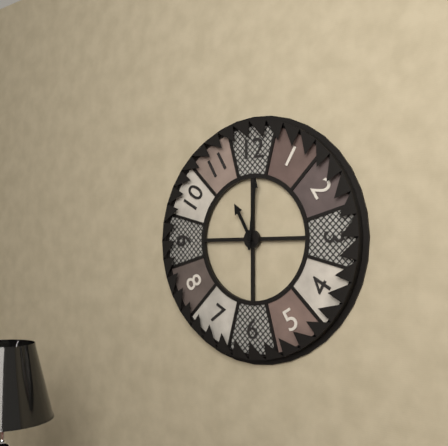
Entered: 11 h 01 min
